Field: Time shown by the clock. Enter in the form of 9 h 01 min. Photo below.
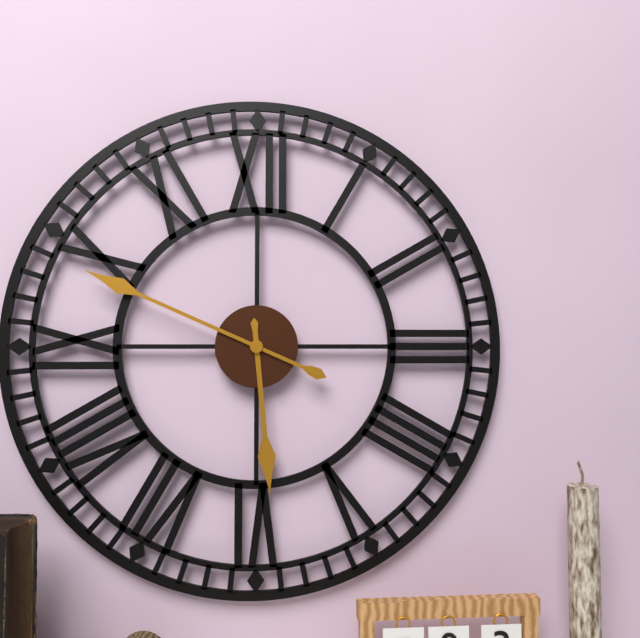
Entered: 5 h 49 min
